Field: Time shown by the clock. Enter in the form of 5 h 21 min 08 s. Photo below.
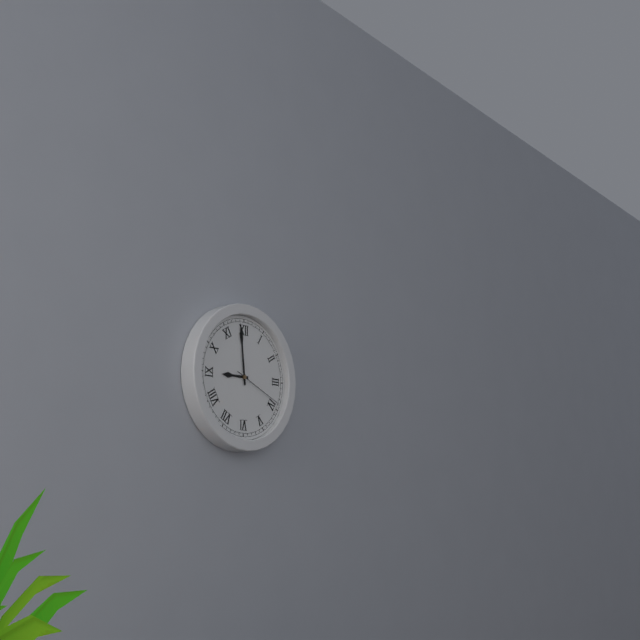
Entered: 8 h 59 min 19 s
